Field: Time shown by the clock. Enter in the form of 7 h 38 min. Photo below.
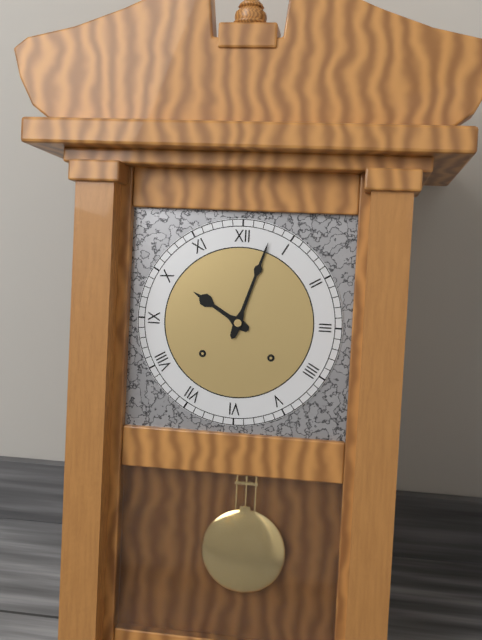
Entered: 10 h 03 min
